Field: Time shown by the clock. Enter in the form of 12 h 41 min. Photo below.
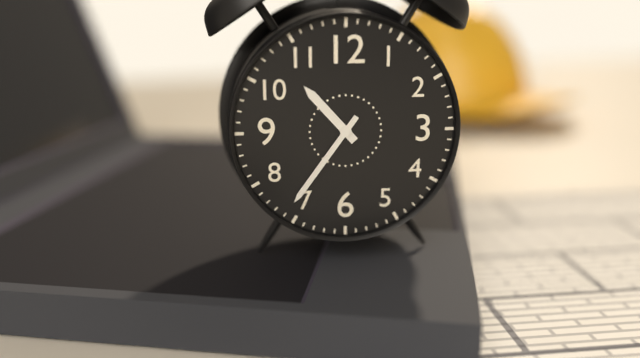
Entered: 10 h 36 min
